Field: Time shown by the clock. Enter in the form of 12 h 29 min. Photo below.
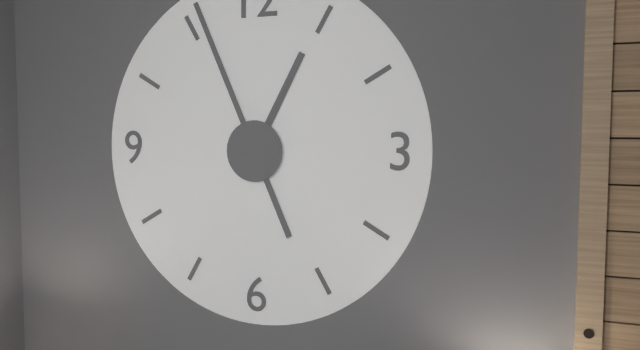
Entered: 12 h 56 min
